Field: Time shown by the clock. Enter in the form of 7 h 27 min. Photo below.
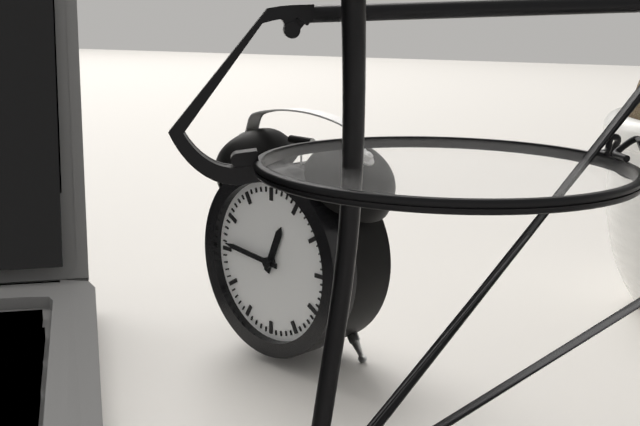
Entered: 12 h 46 min
